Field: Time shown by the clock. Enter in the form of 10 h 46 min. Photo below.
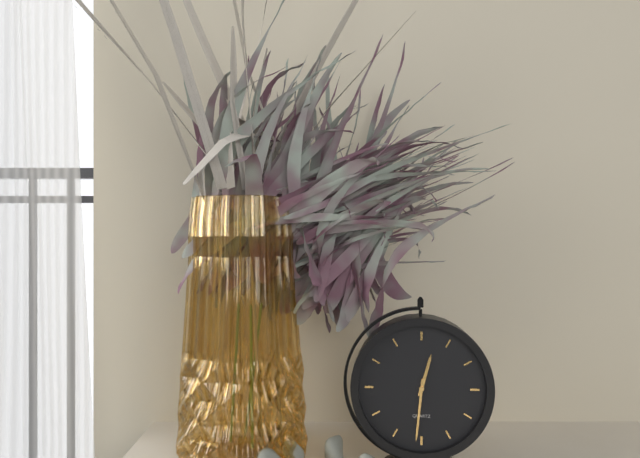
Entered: 12 h 31 min
